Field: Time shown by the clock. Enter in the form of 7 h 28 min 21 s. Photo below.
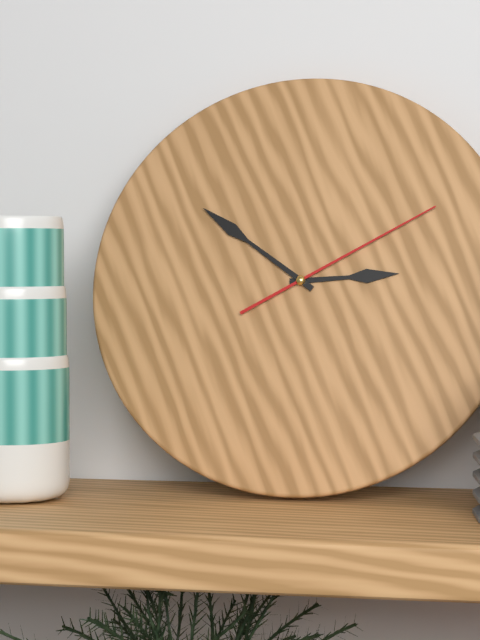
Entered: 2 h 51 min 10 s
